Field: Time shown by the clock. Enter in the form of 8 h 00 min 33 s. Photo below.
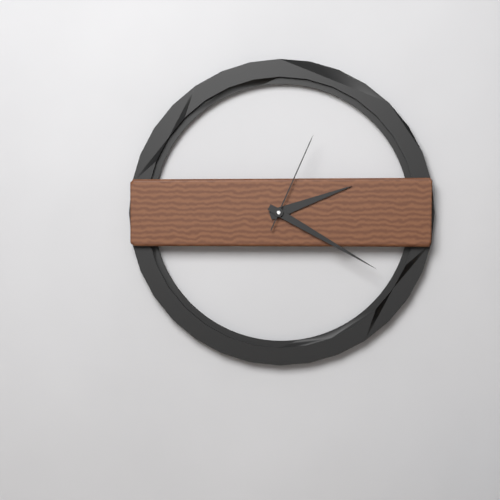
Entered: 2 h 20 min 04 s
